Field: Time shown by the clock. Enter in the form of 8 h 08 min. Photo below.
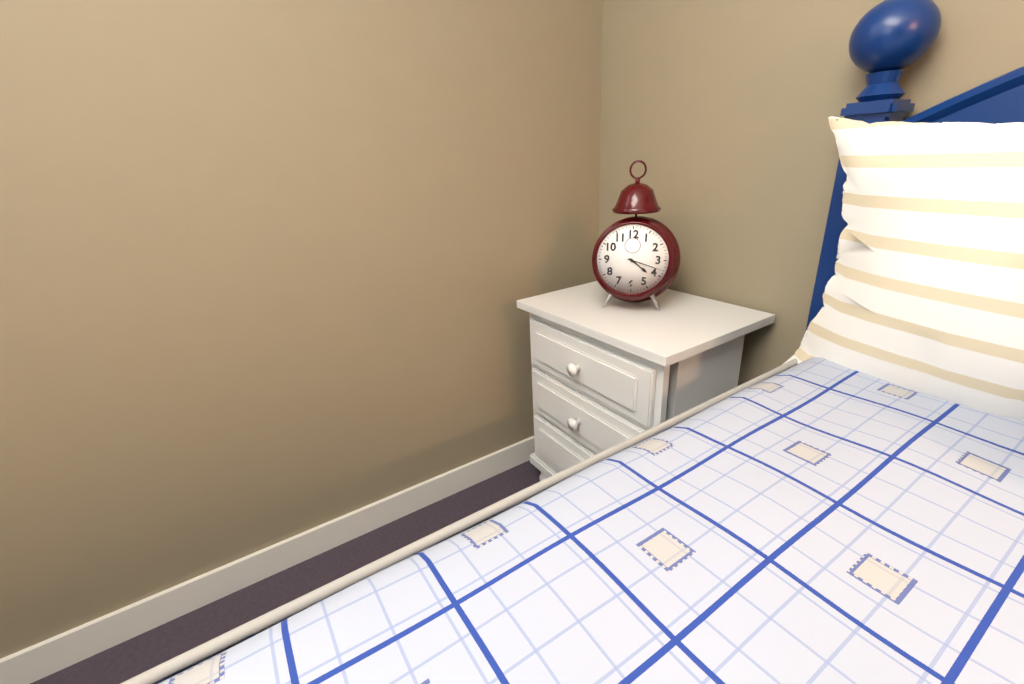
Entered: 4 h 18 min
